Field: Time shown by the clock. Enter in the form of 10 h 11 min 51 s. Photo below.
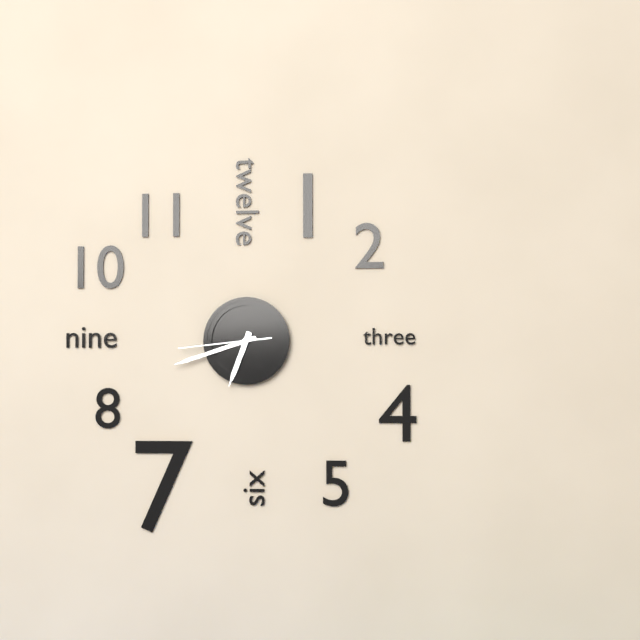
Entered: 6 h 42 min 44 s
